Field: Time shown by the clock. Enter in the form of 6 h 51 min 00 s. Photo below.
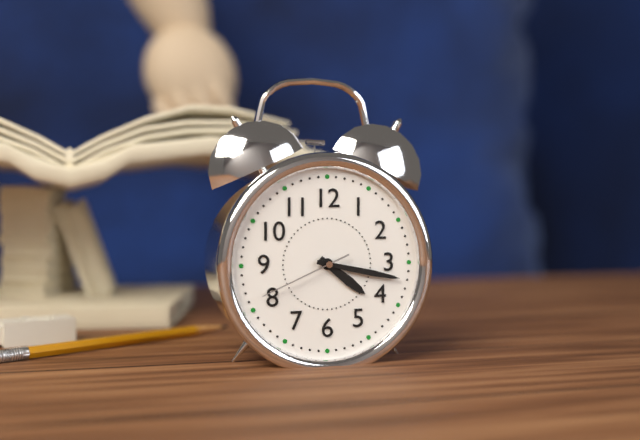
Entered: 4 h 17 min 41 s
